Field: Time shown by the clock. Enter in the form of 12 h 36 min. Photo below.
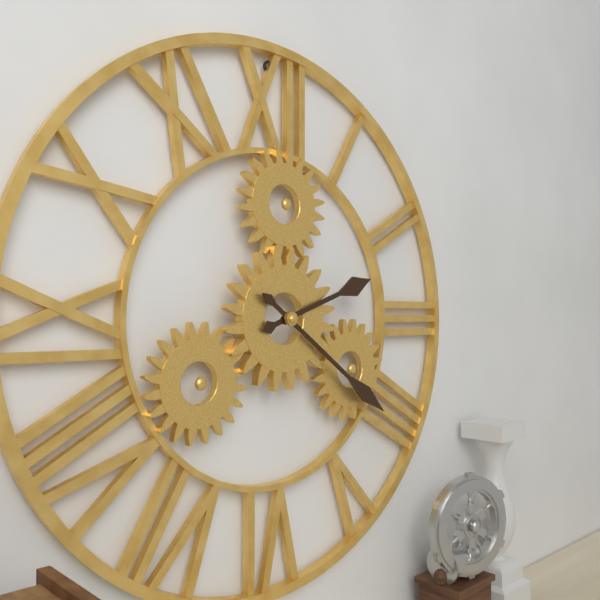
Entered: 2 h 21 min
